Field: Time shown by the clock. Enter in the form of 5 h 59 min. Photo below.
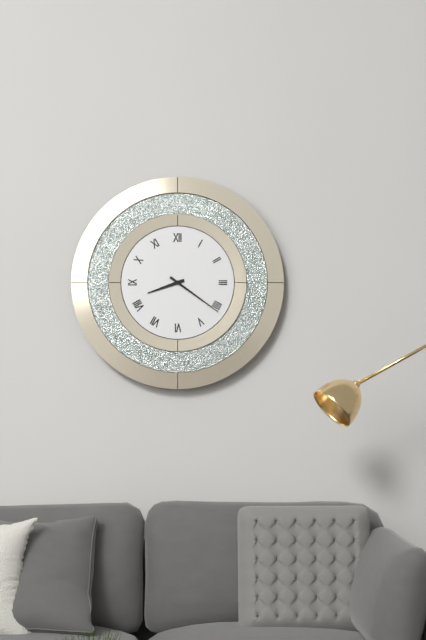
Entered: 8 h 21 min
